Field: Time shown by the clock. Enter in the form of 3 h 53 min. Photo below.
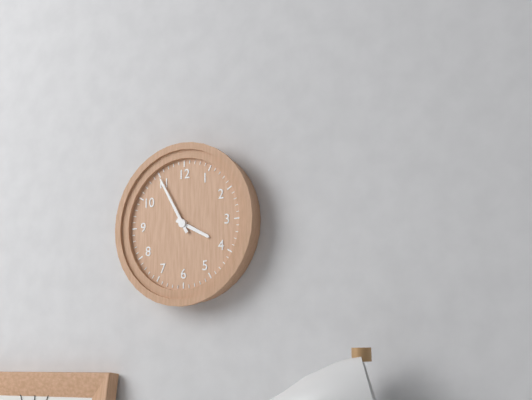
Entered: 3 h 55 min
